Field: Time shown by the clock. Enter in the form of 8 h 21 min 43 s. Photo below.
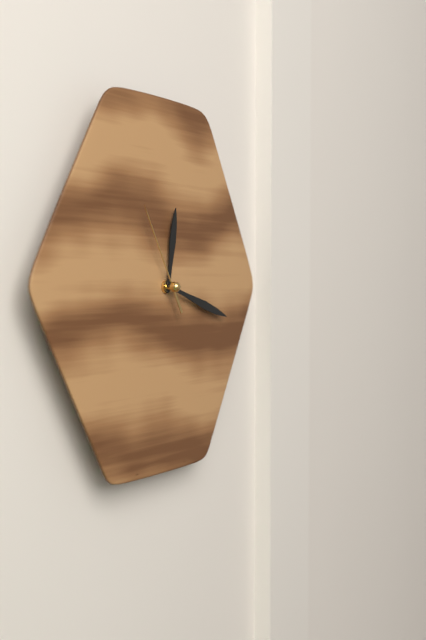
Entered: 12 h 18 min 55 s
